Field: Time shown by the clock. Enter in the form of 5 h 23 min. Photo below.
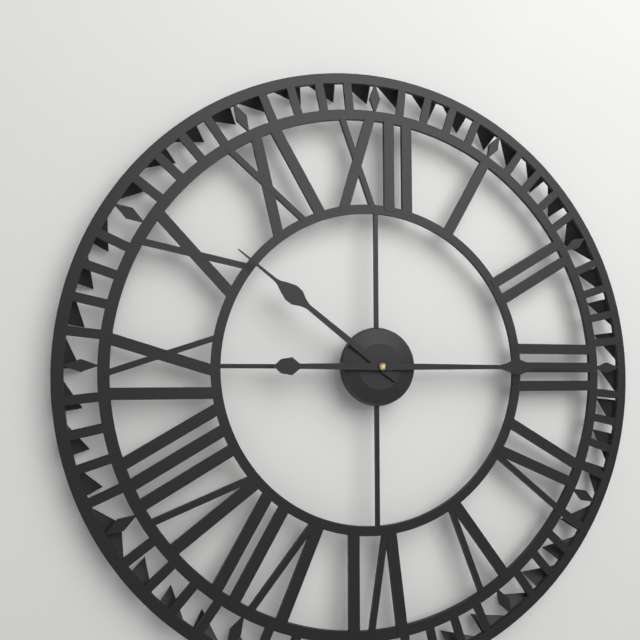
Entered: 10 h 15 min
